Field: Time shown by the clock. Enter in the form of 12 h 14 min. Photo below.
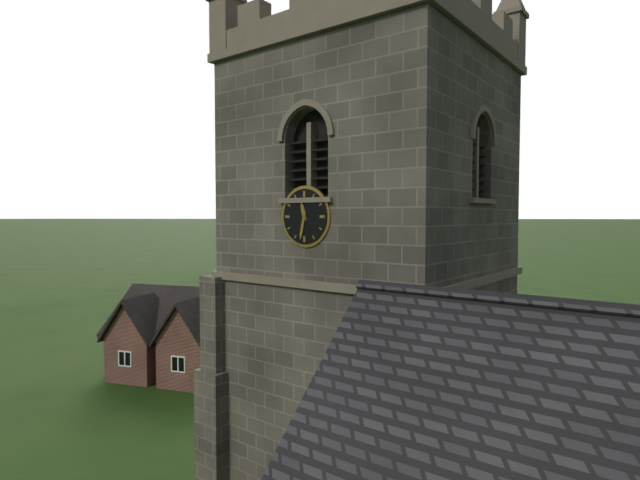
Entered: 11 h 32 min
